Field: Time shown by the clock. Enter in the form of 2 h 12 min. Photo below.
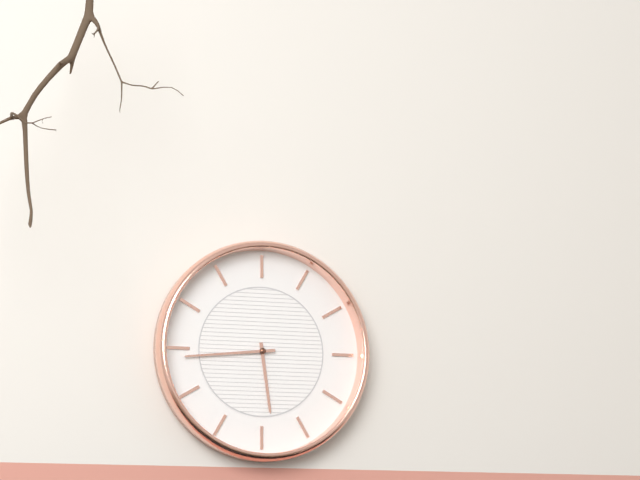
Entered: 5 h 44 min
